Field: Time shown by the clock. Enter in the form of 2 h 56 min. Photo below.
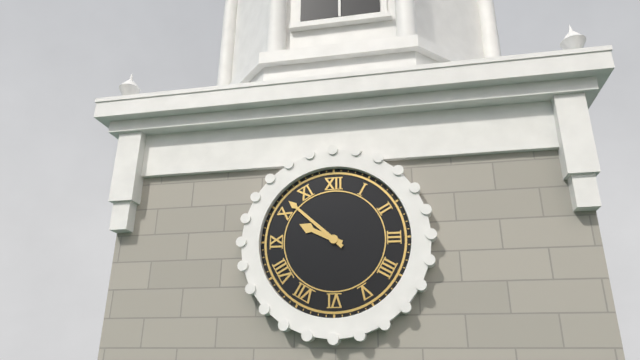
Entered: 9 h 52 min
